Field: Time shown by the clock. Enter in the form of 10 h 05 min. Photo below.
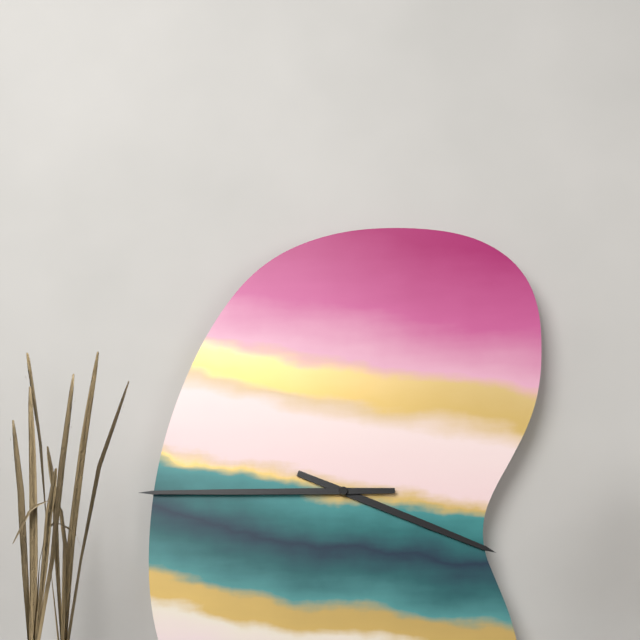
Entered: 3 h 45 min
